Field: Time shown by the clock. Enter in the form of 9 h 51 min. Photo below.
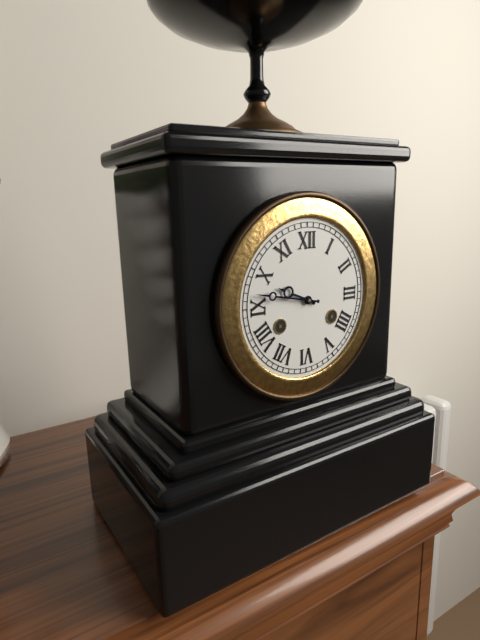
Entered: 9 h 47 min
